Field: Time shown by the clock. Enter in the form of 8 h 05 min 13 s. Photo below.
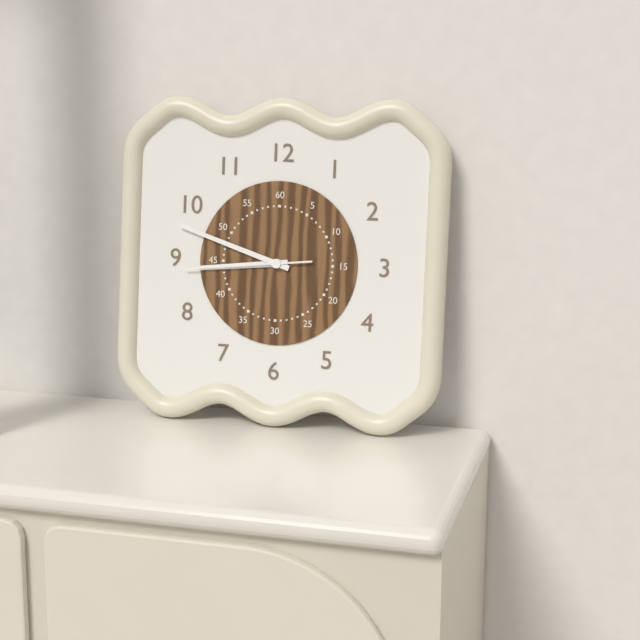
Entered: 8 h 48 min 44 s
